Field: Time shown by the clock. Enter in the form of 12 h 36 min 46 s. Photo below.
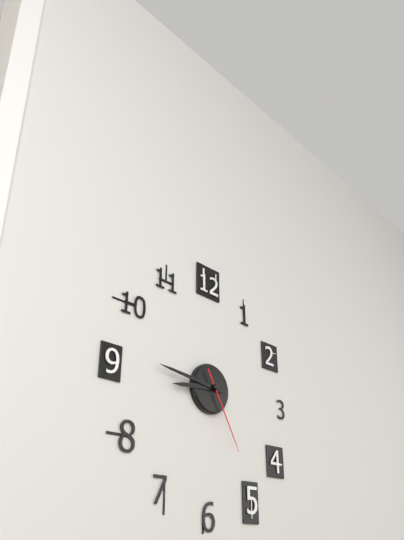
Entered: 8 h 46 min 25 s
